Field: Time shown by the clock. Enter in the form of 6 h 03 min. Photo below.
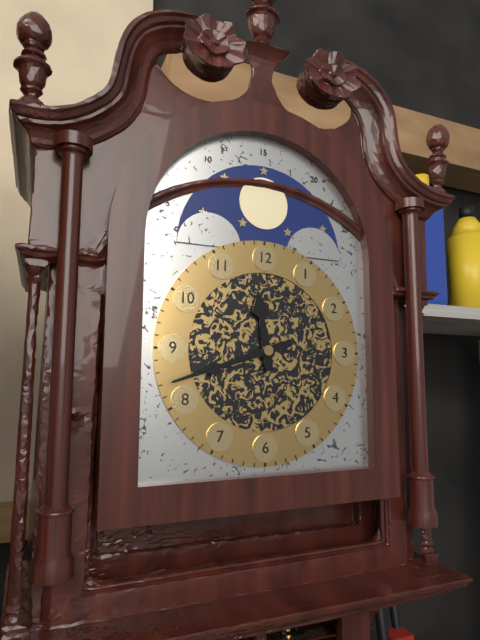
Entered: 11 h 42 min
